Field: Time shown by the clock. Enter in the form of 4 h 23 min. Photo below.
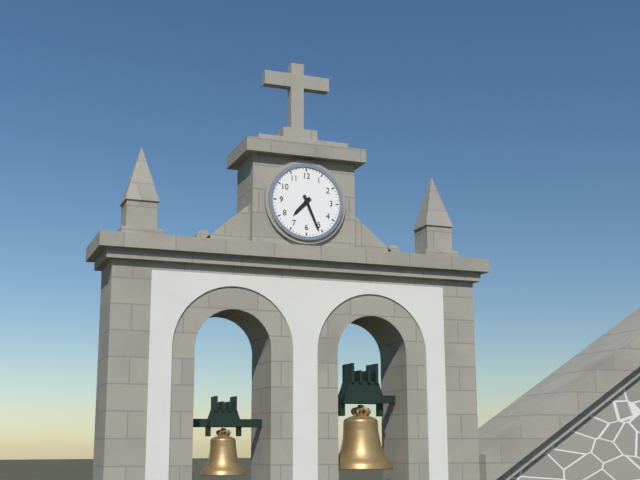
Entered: 7 h 26 min
